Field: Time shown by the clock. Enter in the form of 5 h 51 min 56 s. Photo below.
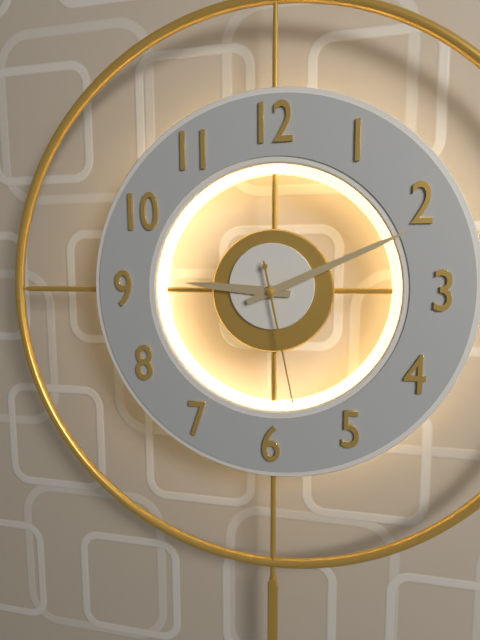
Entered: 9 h 11 min 28 s
